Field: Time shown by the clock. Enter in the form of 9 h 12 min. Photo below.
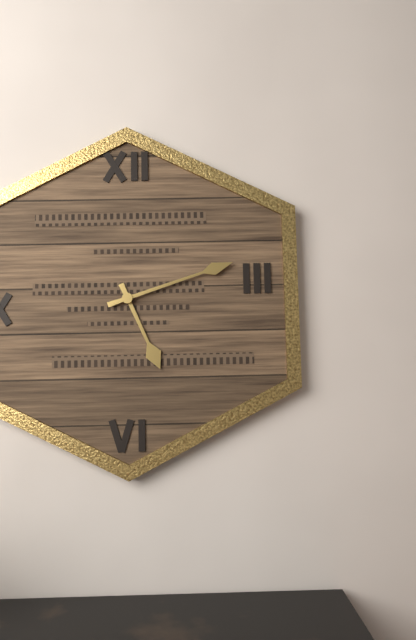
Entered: 5 h 12 min
